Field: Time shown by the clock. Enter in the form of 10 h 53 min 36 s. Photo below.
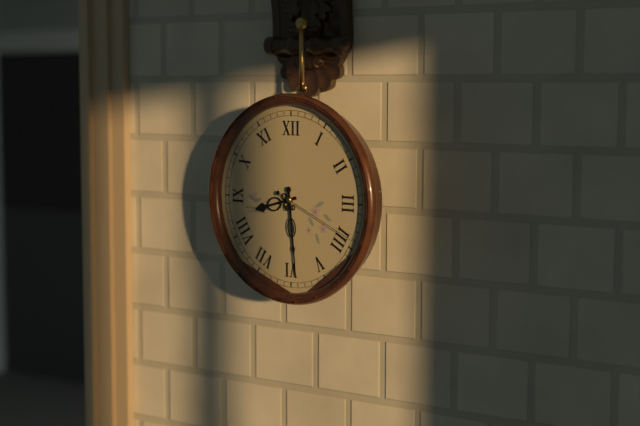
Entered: 8 h 29 min 19 s
